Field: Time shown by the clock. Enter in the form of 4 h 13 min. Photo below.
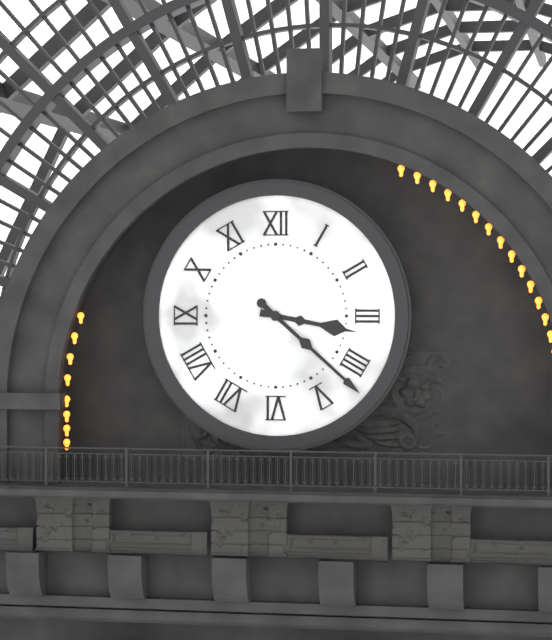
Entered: 3 h 22 min
